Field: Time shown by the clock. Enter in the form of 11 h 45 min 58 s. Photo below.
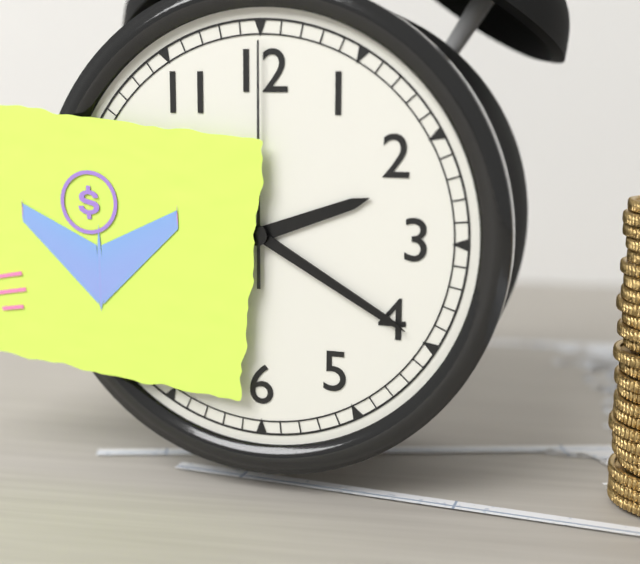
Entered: 2 h 20 min 00 s
